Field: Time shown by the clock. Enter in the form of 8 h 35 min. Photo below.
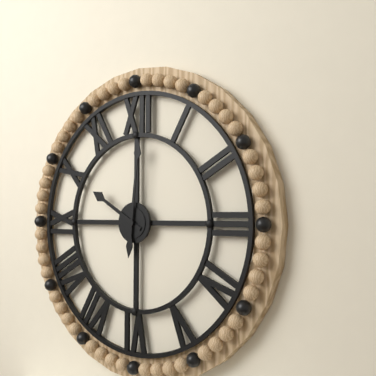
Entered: 10 h 01 min
